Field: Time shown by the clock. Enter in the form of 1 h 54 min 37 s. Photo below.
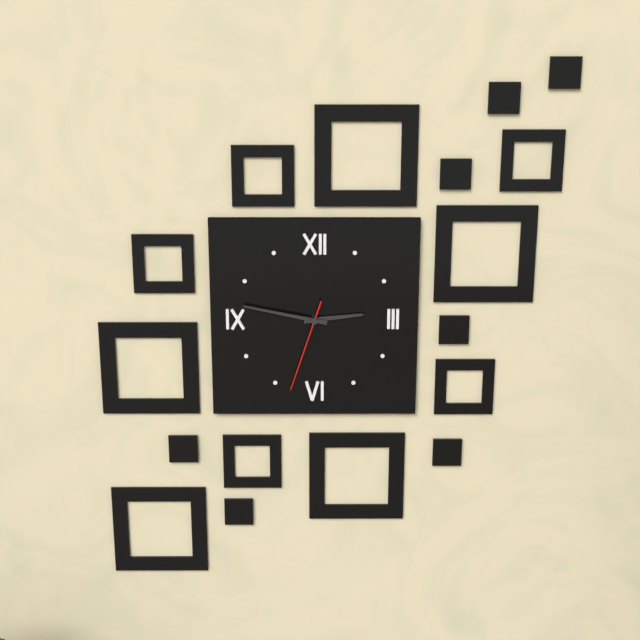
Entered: 2 h 47 min 33 s
